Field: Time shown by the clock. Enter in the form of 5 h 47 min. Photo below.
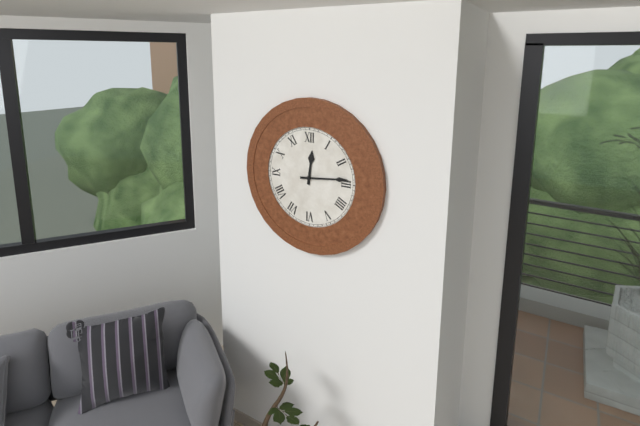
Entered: 12 h 14 min
